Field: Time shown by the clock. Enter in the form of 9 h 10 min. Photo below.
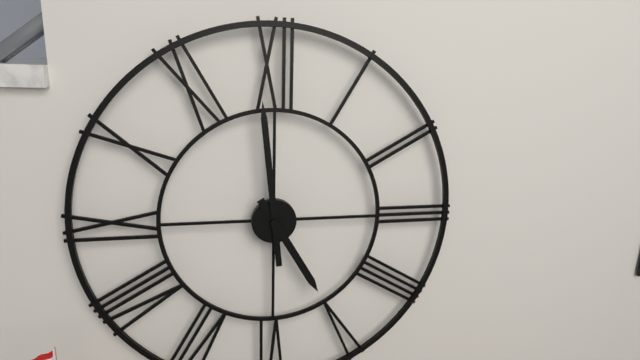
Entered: 4 h 59 min
